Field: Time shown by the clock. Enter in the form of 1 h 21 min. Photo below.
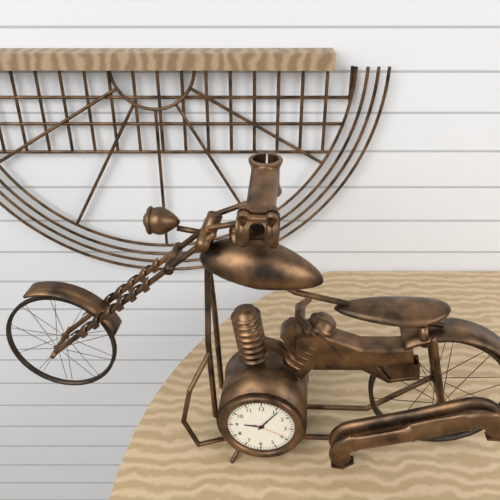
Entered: 9 h 06 min
